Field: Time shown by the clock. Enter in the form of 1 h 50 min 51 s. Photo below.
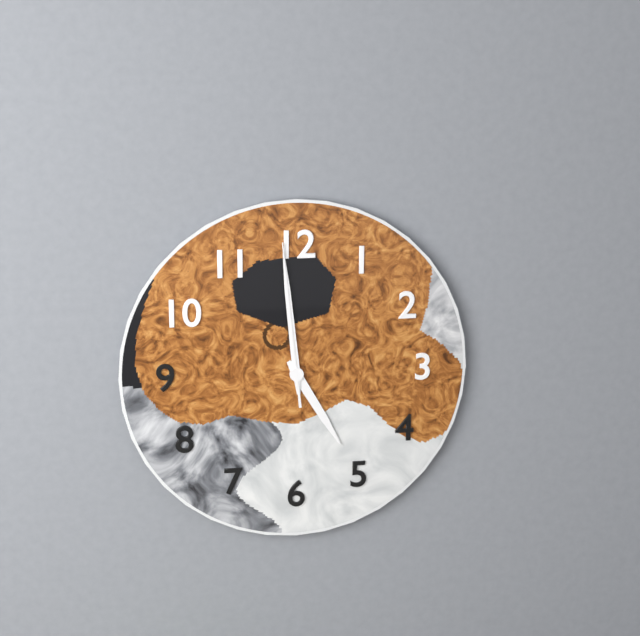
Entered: 4 h 59 min 59 s
